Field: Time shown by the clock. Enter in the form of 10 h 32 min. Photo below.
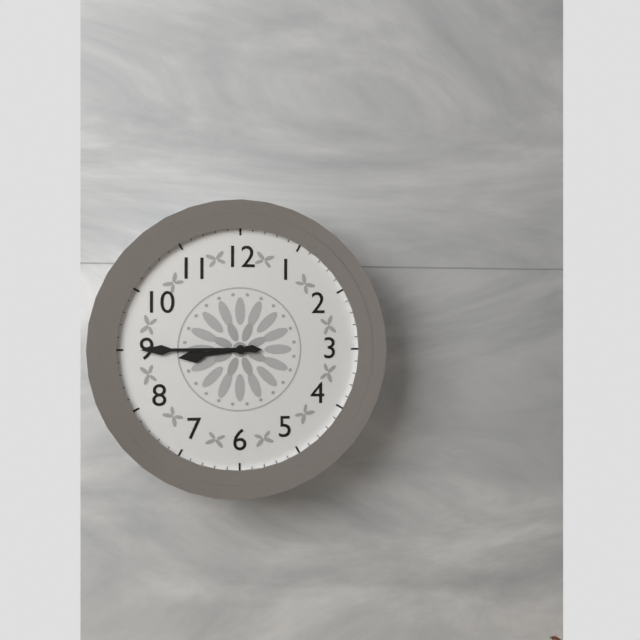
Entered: 8 h 45 min
